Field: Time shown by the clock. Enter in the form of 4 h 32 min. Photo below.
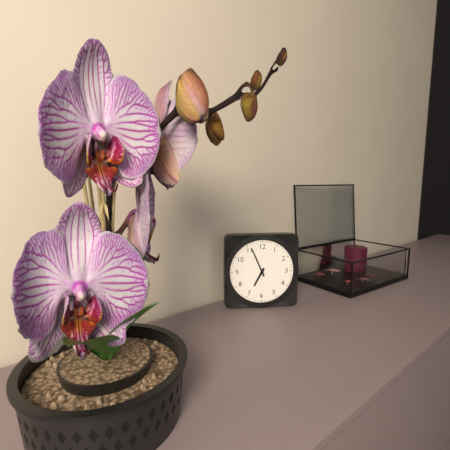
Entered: 6 h 56 min
